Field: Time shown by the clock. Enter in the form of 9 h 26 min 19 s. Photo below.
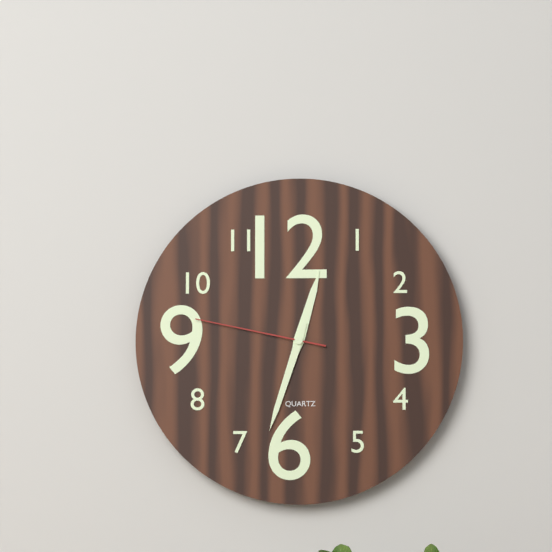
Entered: 12 h 33 min 47 s
